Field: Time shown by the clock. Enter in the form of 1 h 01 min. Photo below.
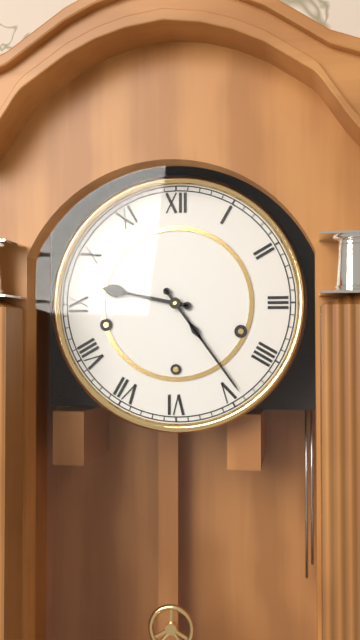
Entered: 9 h 24 min
